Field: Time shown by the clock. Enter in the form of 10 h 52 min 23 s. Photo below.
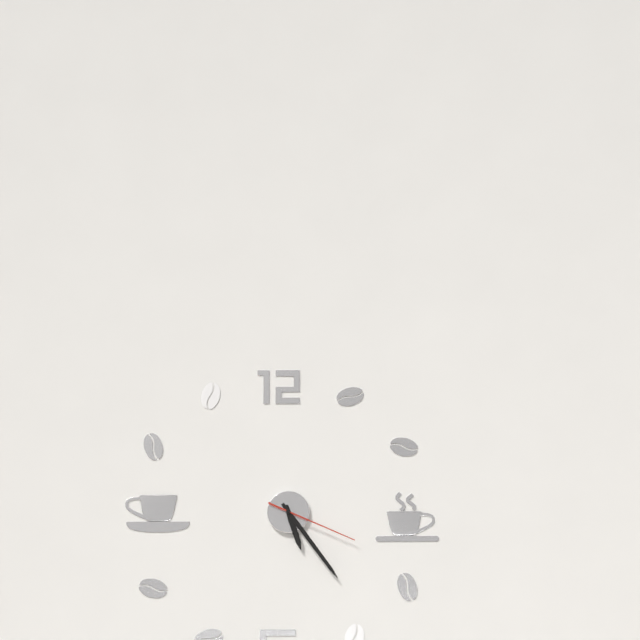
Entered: 5 h 24 min 19 s
